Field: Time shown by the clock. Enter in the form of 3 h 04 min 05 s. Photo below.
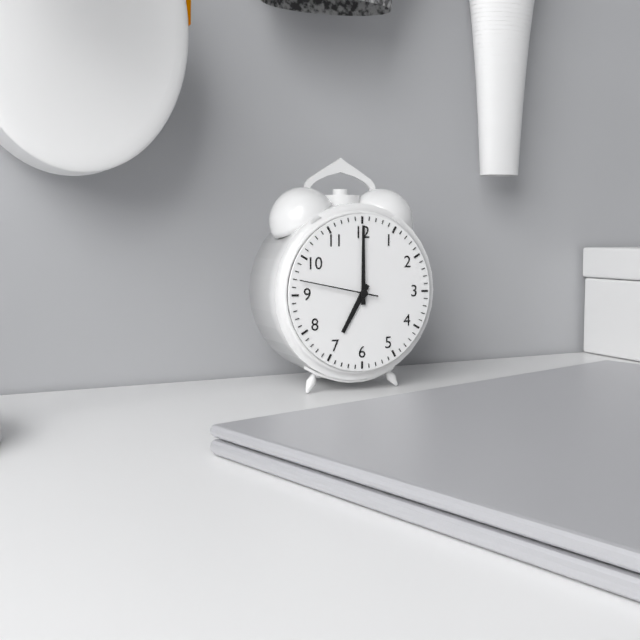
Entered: 7 h 00 min 47 s
